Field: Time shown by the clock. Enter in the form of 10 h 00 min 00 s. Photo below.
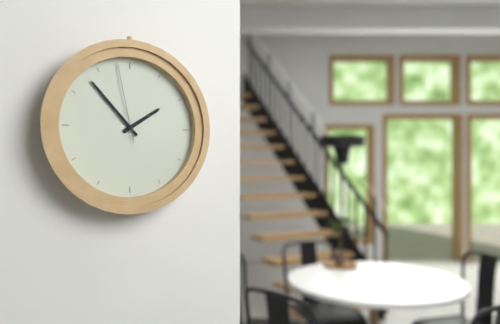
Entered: 1 h 53 min 58 s
